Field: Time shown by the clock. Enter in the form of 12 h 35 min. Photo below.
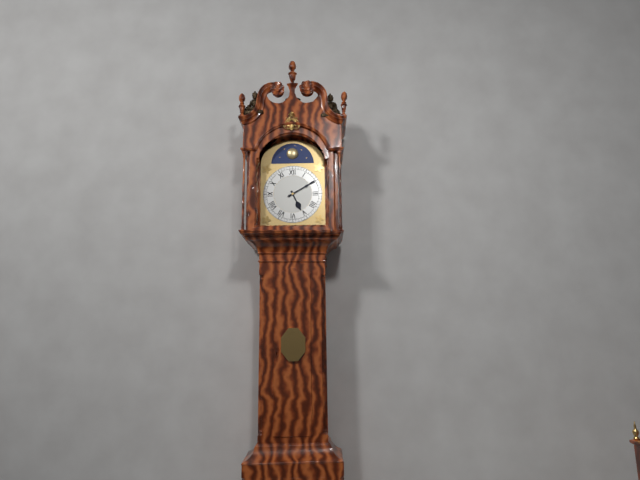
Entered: 5 h 10 min
